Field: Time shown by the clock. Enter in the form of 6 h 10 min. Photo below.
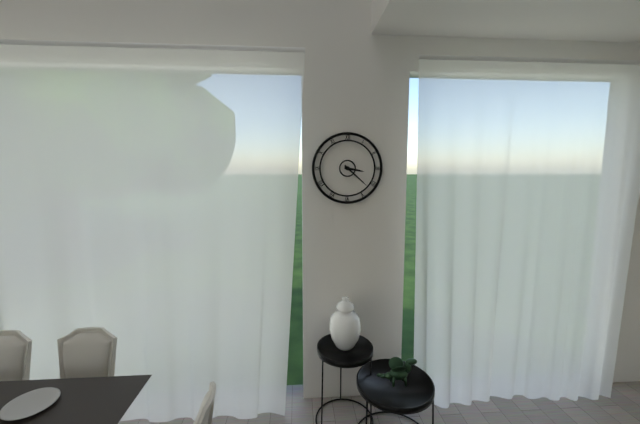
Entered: 3 h 22 min
